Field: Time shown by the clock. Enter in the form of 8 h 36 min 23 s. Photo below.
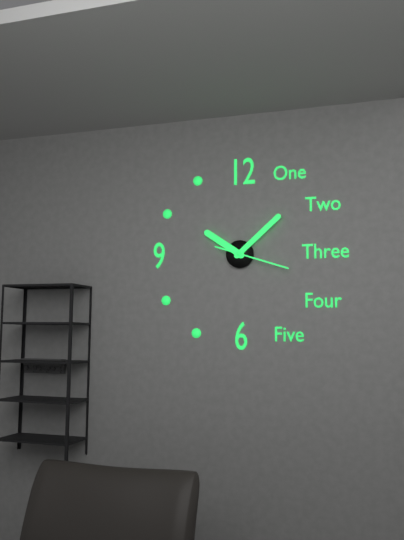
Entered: 10 h 08 min 18 s
